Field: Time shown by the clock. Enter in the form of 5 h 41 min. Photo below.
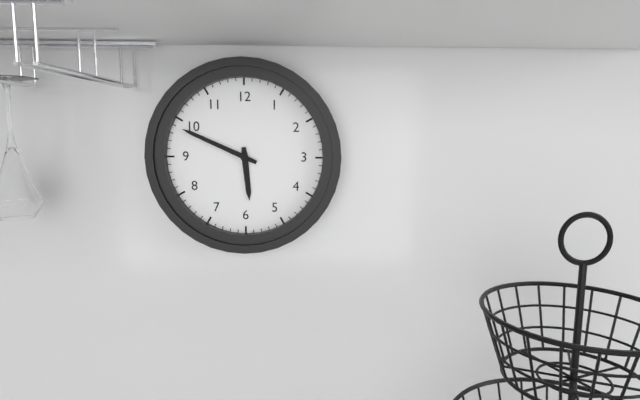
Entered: 5 h 49 min
